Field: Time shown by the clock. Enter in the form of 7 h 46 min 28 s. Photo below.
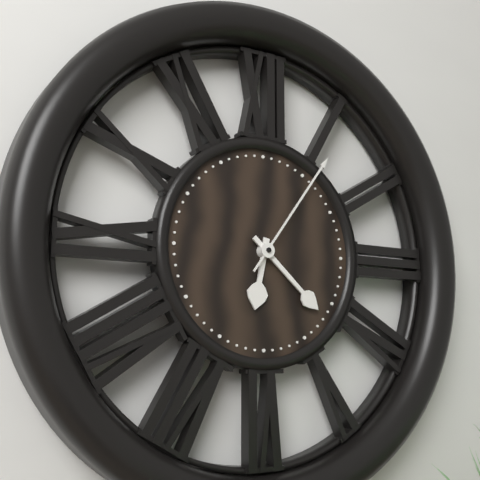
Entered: 6 h 22 min 06 s
